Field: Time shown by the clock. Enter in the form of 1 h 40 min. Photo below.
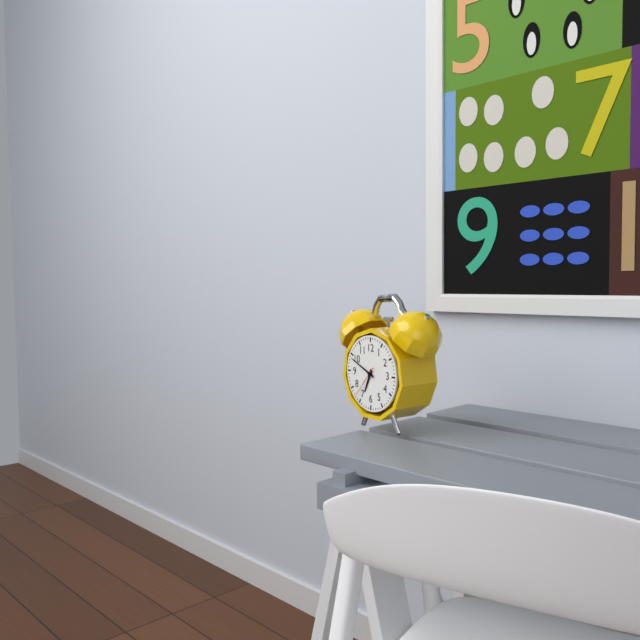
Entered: 6 h 49 min
